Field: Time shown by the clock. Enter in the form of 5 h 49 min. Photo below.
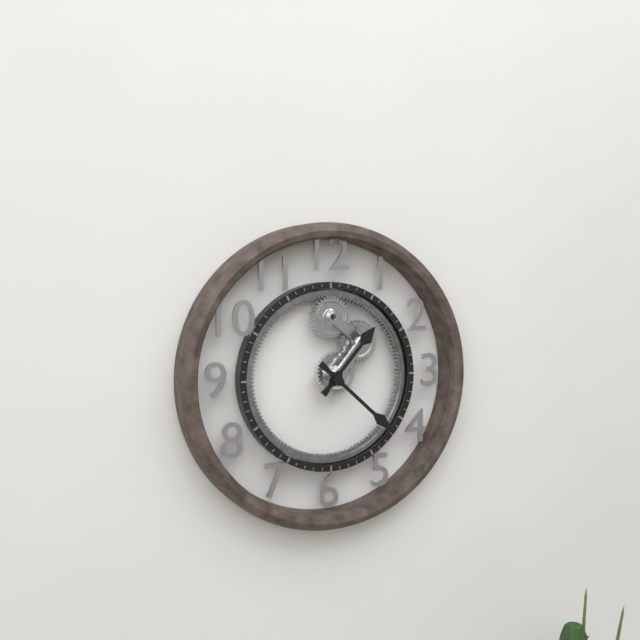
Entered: 1 h 22 min
